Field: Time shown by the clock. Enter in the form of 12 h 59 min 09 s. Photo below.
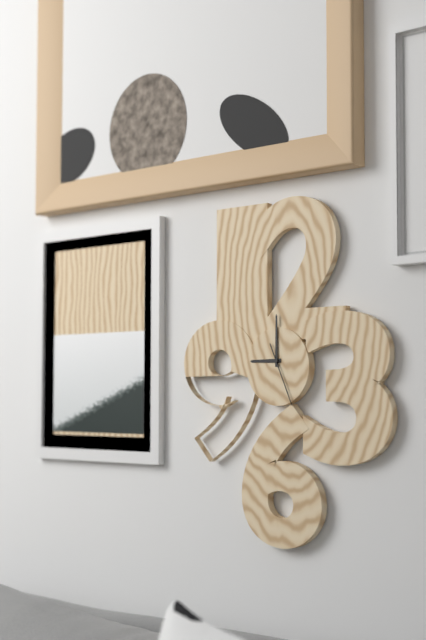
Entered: 9 h 00 min 26 s
